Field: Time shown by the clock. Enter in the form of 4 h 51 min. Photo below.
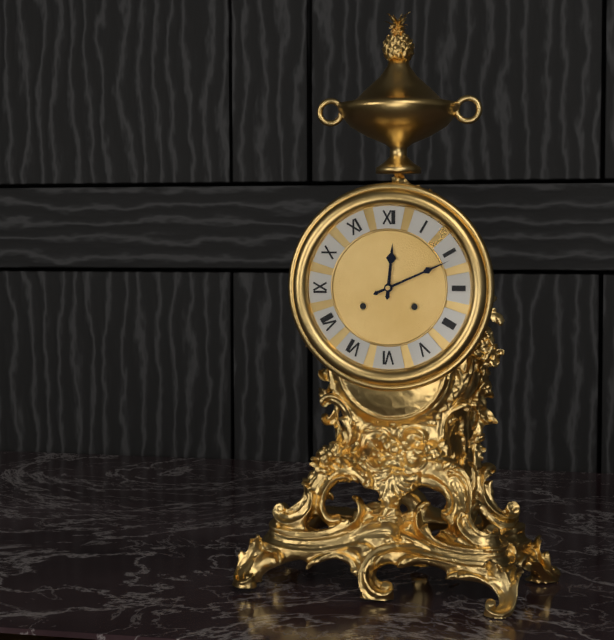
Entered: 12 h 11 min
